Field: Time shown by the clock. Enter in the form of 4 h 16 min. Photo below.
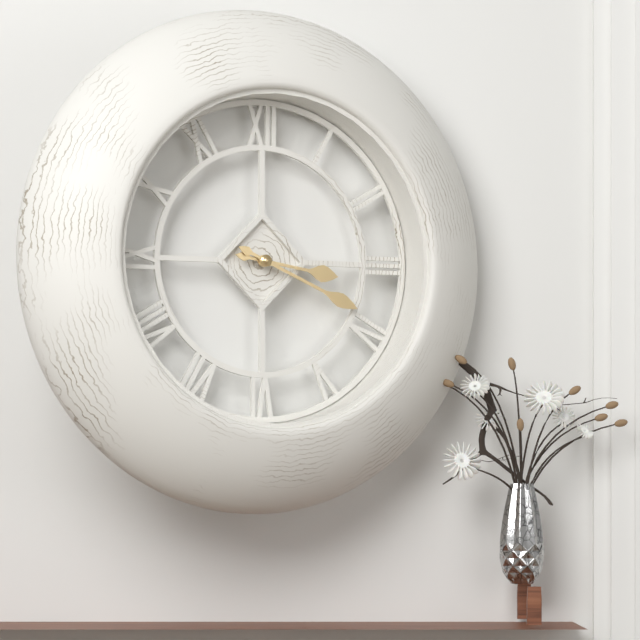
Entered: 3 h 19 min
